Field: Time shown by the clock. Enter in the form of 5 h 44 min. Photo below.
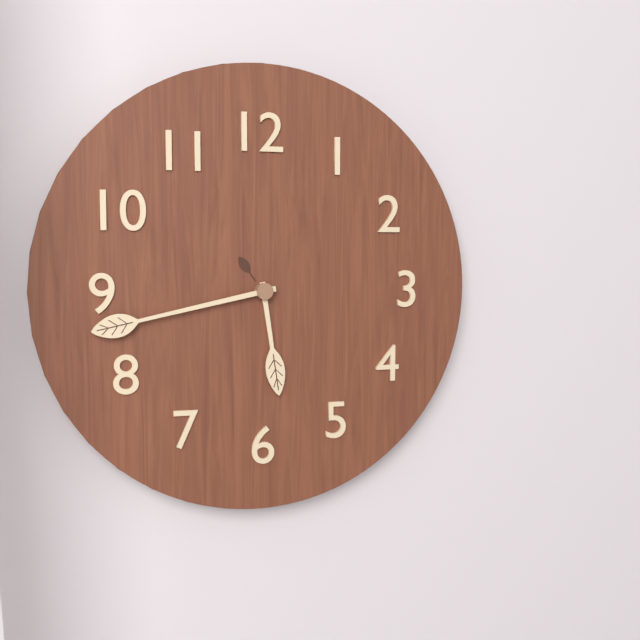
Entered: 5 h 43 min
